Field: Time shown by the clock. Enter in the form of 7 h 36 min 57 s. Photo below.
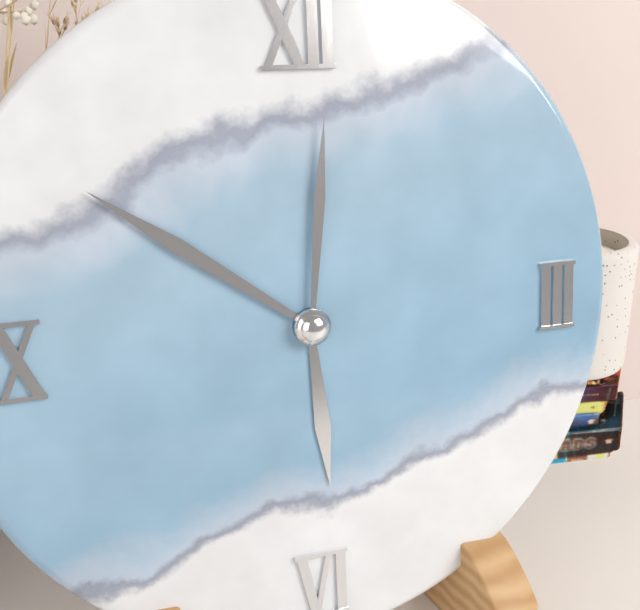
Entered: 5 h 51 min 01 s
